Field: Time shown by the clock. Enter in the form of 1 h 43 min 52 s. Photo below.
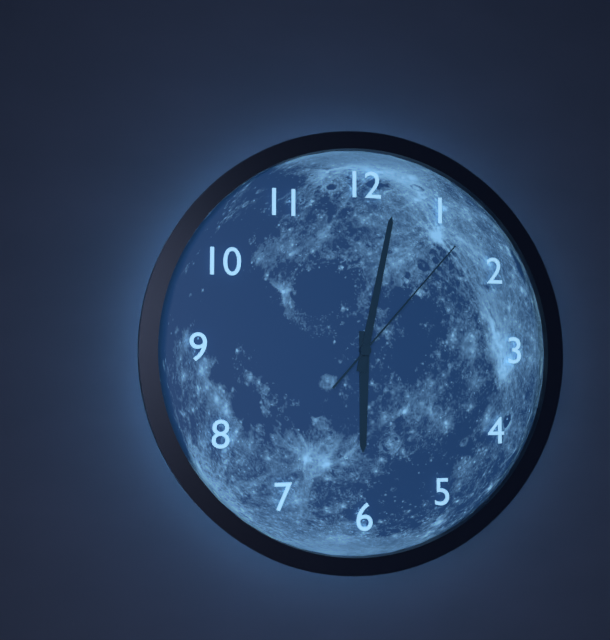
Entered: 6 h 02 min 07 s
